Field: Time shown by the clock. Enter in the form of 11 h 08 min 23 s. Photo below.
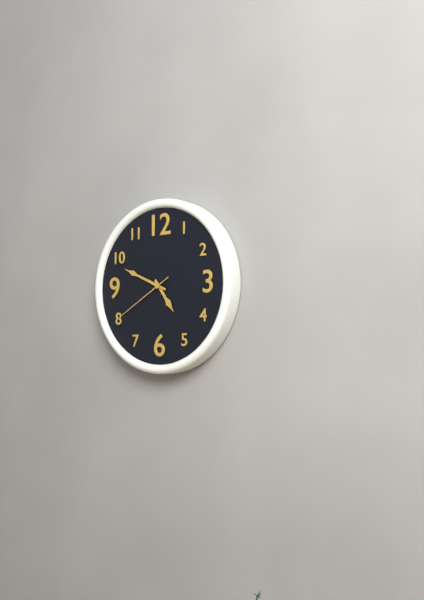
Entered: 4 h 49 min 40 s
